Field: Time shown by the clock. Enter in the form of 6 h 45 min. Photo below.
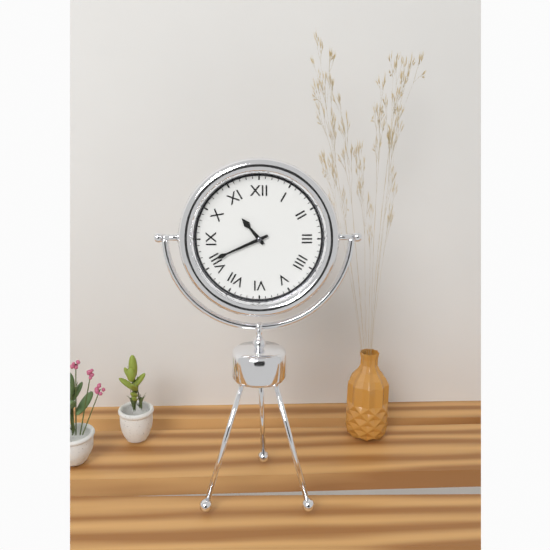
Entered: 10 h 41 min
